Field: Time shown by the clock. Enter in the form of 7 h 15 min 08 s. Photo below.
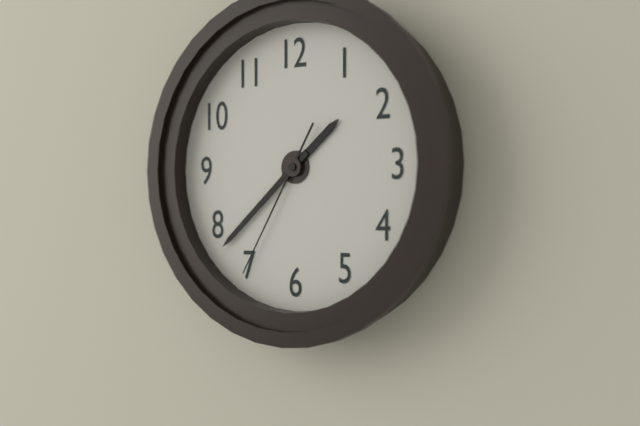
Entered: 1 h 38 min 35 s
